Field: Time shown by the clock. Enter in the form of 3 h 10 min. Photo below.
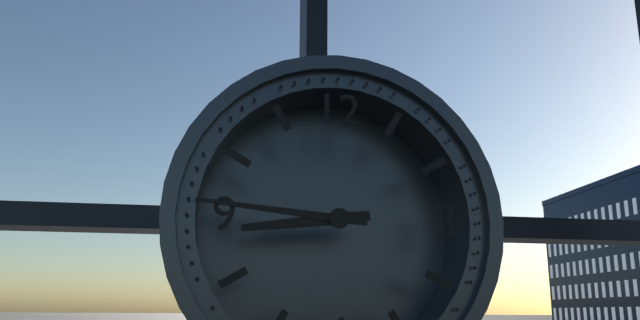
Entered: 8 h 46 min
